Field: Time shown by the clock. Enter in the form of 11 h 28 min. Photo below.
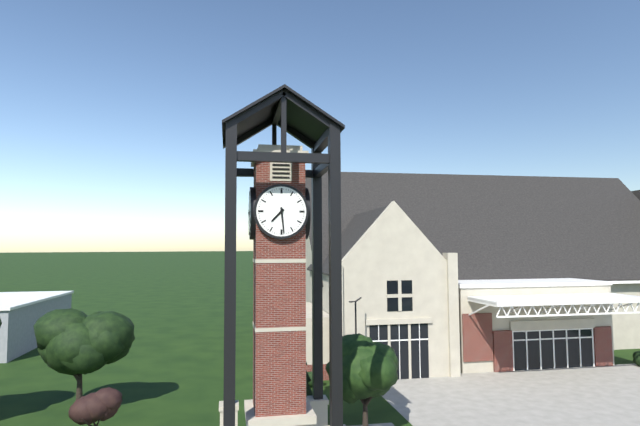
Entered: 7 h 29 min
